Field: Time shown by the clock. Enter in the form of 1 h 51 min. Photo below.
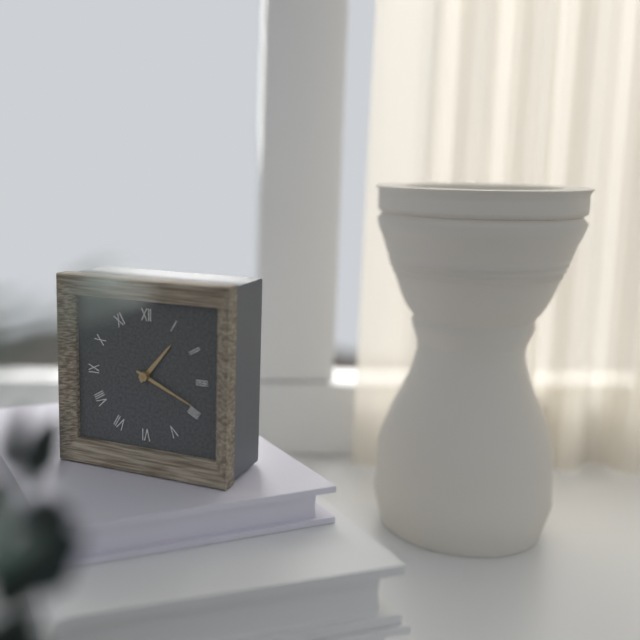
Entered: 1 h 19 min
